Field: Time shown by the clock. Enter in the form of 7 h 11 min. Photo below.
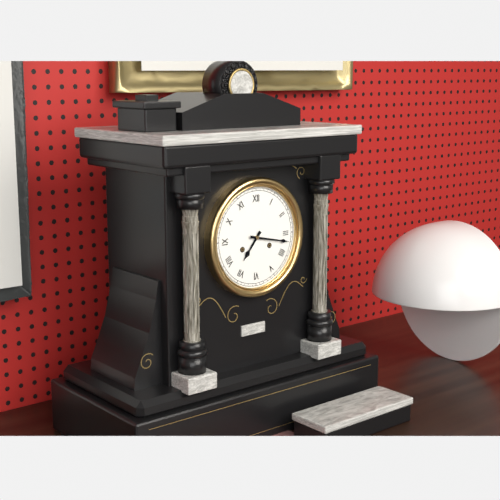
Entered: 7 h 17 min
